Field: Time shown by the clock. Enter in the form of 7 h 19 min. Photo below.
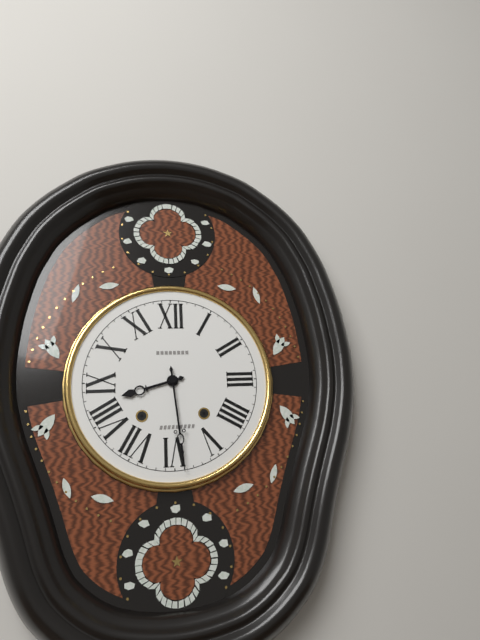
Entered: 8 h 29 min
